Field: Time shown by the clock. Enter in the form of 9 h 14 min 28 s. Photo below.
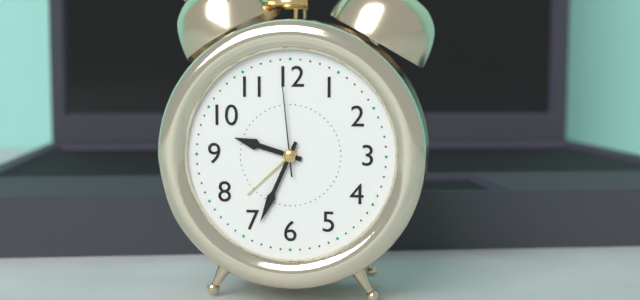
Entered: 9 h 34 min 59 s
